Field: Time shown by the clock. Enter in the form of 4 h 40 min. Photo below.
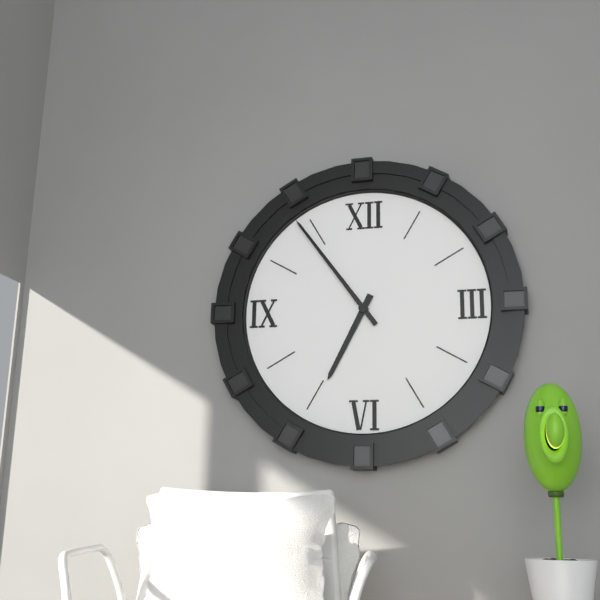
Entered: 6 h 54 min
